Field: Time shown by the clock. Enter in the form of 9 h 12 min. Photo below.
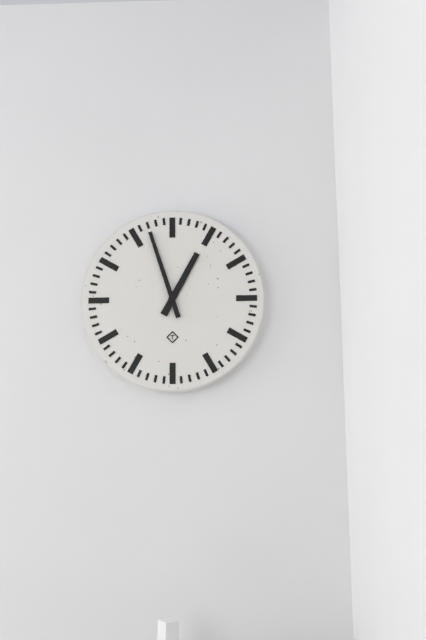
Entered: 12 h 57 min
